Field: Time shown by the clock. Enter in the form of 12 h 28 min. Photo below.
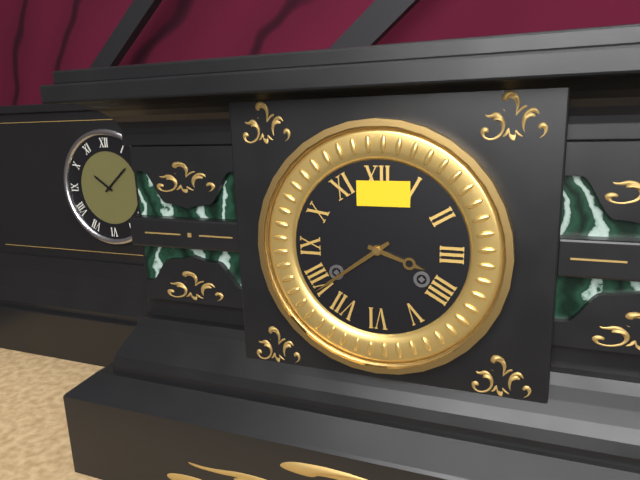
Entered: 3 h 39 min
